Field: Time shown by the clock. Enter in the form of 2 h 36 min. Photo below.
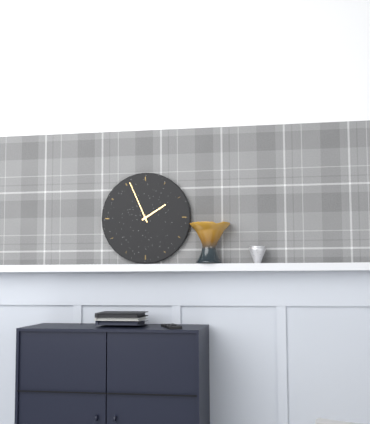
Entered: 1 h 56 min
